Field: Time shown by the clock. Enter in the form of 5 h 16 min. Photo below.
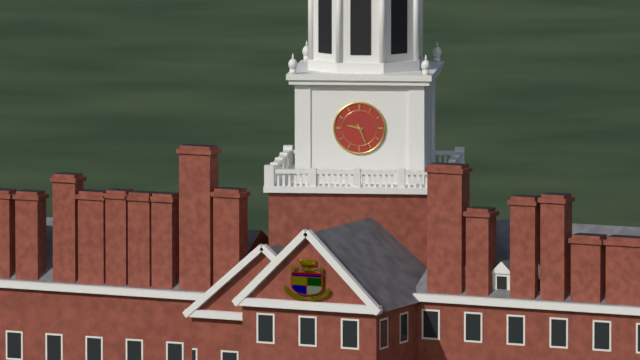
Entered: 9 h 26 min
